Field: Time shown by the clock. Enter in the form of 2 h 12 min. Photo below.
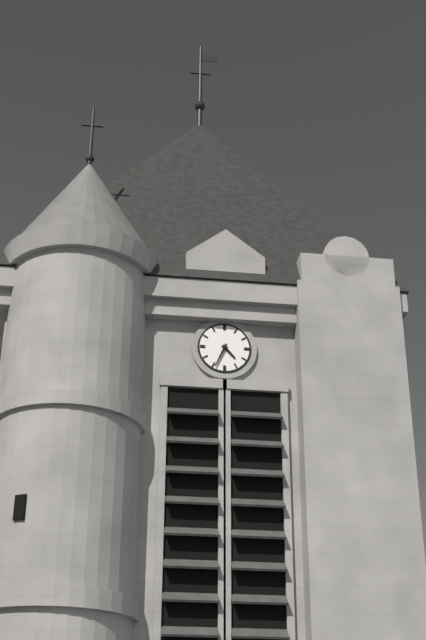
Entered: 4 h 34 min
